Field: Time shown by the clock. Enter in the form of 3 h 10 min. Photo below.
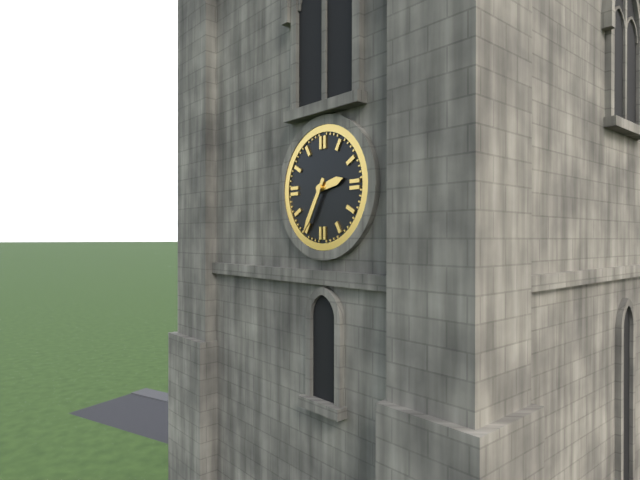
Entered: 2 h 35 min
